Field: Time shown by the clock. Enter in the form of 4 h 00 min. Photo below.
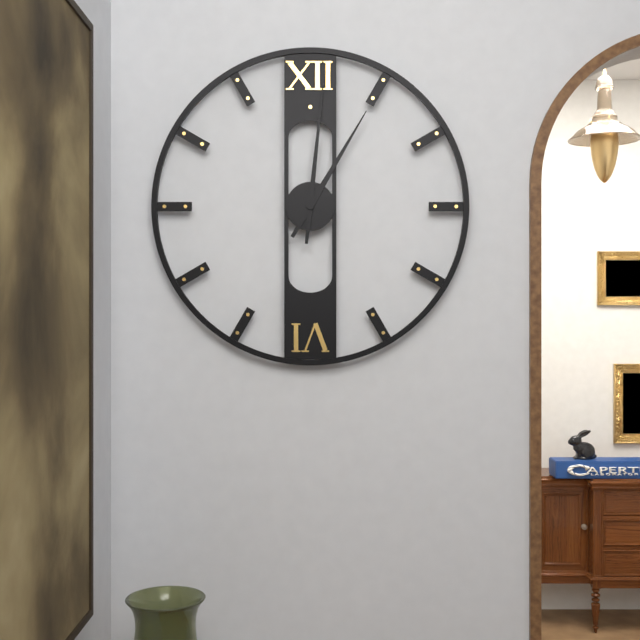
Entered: 1 h 01 min
